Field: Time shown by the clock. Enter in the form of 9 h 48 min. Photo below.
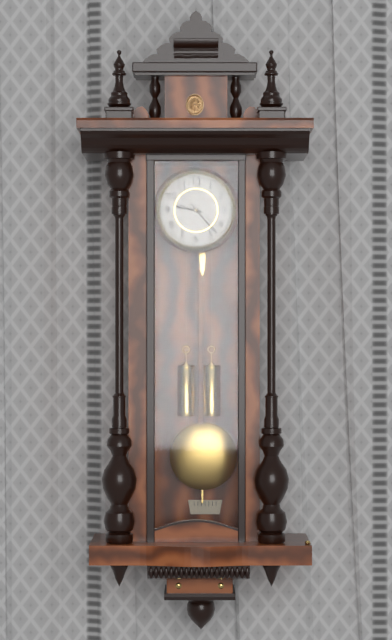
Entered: 9 h 23 min
